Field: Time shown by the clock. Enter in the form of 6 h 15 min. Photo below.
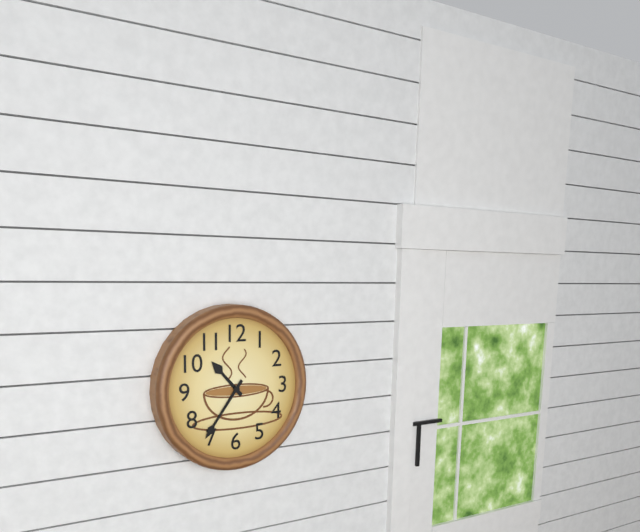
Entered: 10 h 36 min
